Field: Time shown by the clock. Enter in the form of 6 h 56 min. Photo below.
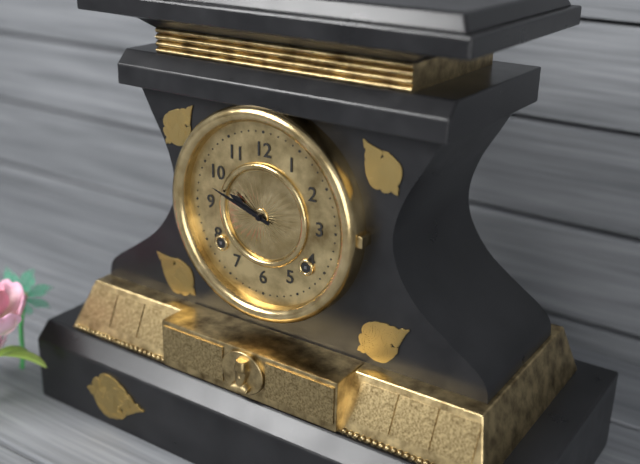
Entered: 9 h 48 min
